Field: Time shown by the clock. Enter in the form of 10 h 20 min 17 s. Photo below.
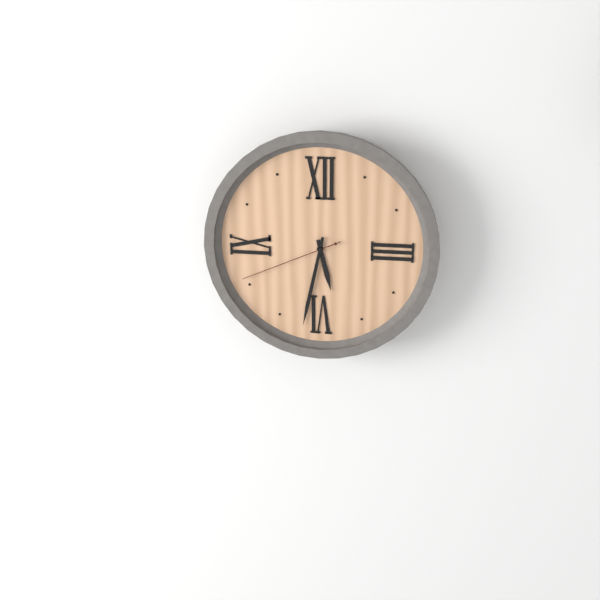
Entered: 5 h 32 min 41 s
